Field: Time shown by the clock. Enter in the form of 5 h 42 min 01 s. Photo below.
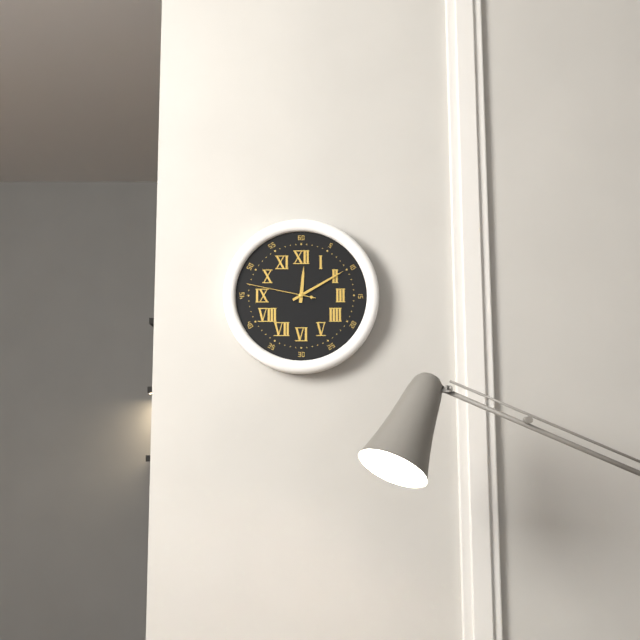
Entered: 12 h 10 min 47 s
